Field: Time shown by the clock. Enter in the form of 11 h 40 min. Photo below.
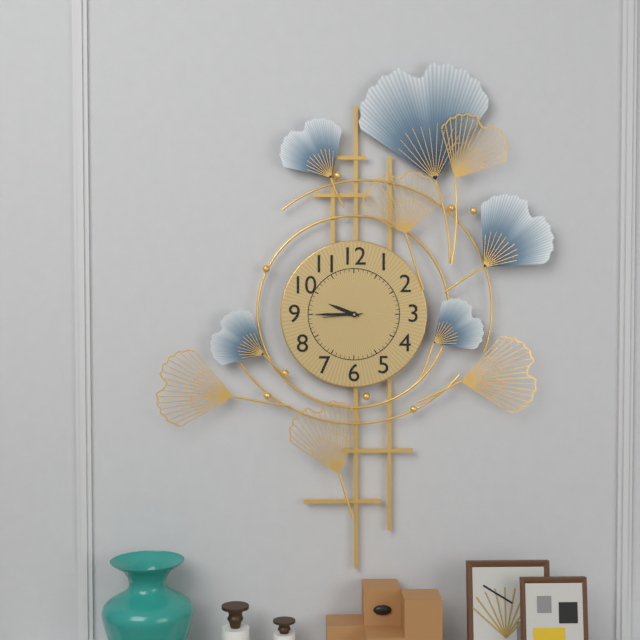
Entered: 9 h 45 min
